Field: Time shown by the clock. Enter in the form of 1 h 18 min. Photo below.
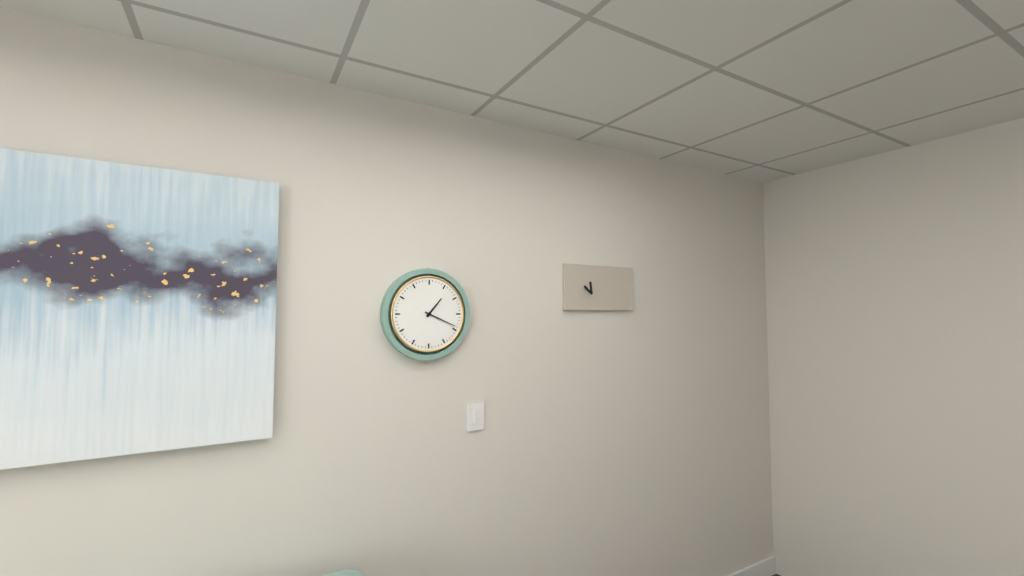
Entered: 1 h 19 min
